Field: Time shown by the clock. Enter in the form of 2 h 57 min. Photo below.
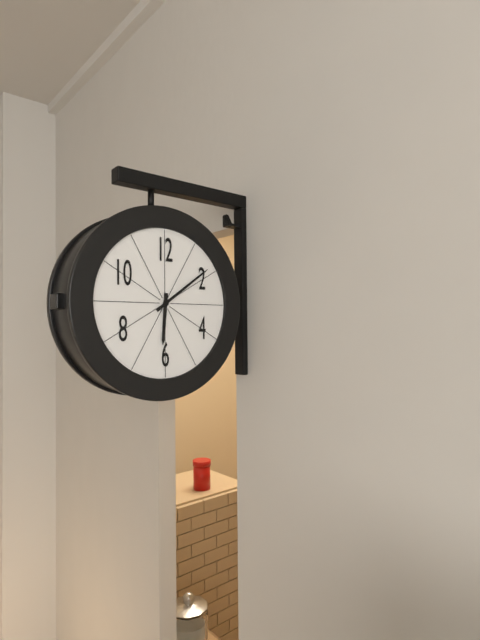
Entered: 6 h 09 min
